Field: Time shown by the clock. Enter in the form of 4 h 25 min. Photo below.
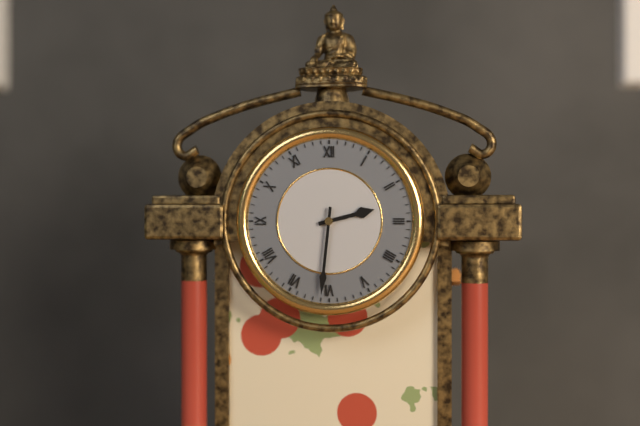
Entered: 2 h 31 min
